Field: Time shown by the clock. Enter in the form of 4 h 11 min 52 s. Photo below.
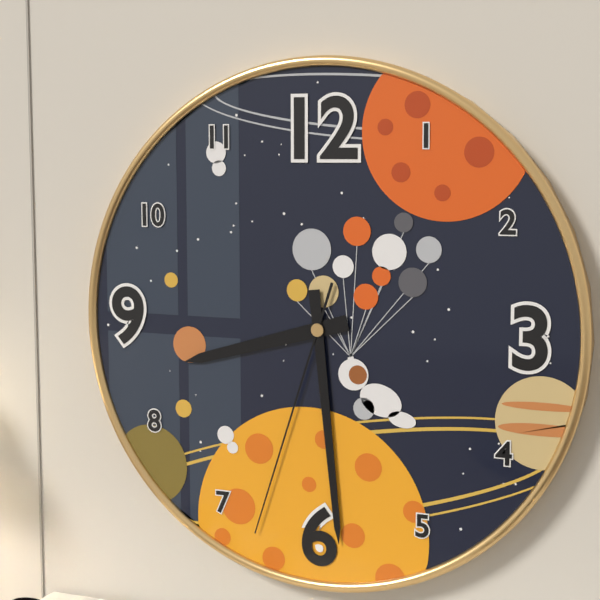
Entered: 8 h 29 min 33 s
